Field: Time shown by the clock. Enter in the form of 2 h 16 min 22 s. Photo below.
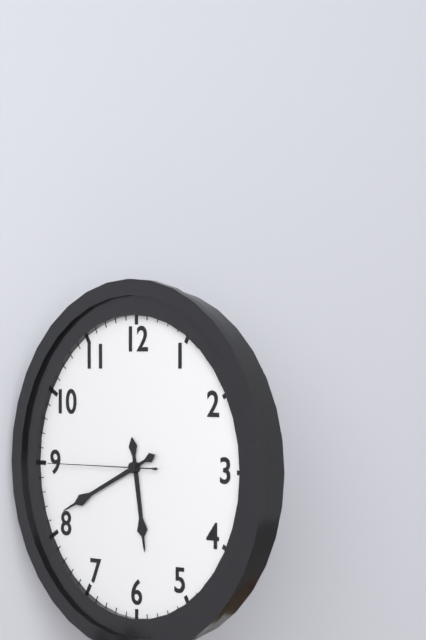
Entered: 5 h 41 min 45 s
